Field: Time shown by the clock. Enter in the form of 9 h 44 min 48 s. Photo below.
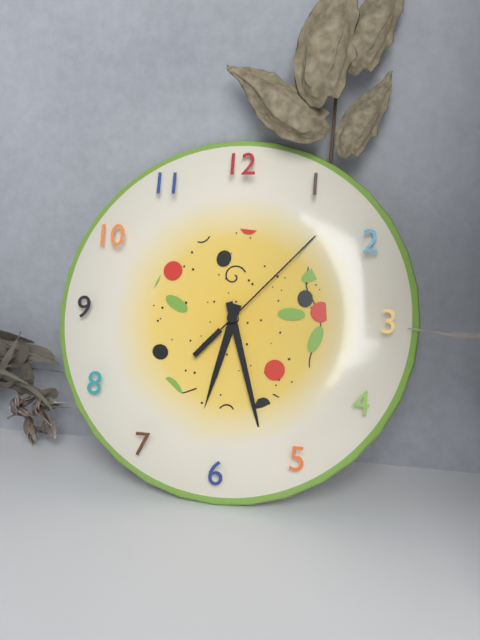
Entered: 6 h 27 min 07 s
